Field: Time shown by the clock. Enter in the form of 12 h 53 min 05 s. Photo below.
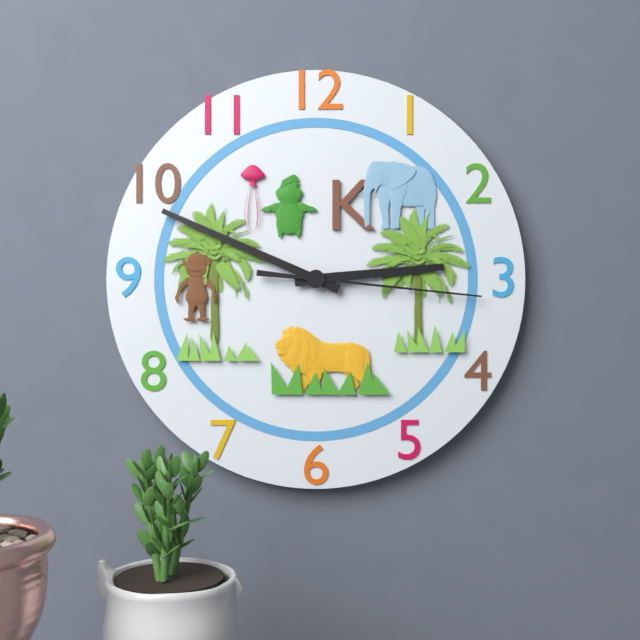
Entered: 2 h 49 min 16 s
